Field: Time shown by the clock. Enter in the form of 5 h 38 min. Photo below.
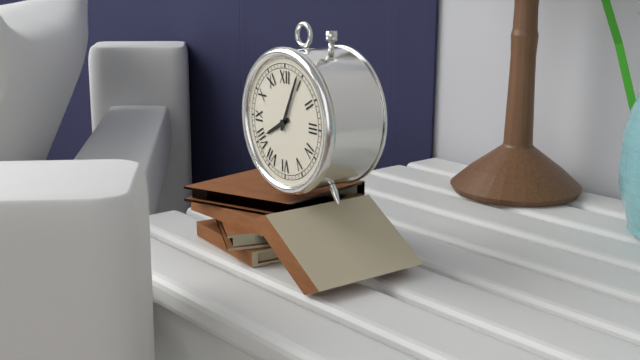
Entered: 8 h 04 min
